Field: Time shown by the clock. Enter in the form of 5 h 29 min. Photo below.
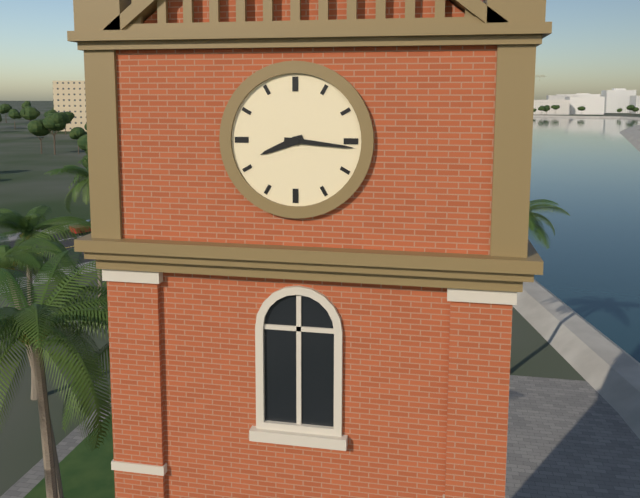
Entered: 8 h 16 min
